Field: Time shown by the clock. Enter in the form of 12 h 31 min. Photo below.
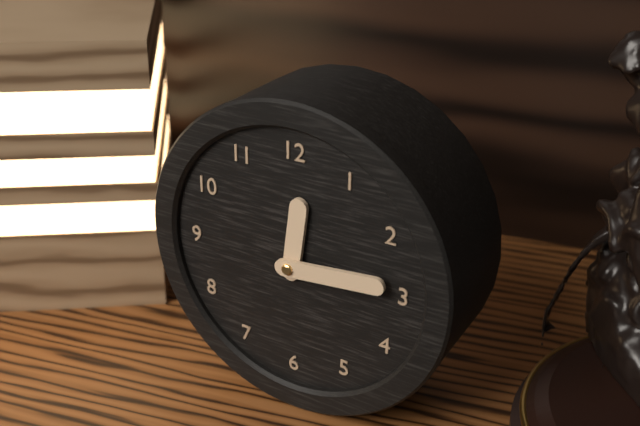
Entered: 12 h 14 min
